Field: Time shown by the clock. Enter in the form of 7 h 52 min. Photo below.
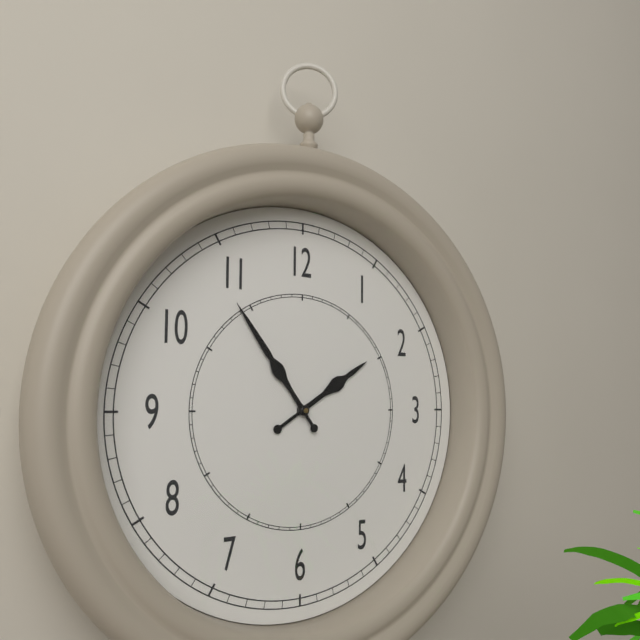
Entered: 1 h 54 min
